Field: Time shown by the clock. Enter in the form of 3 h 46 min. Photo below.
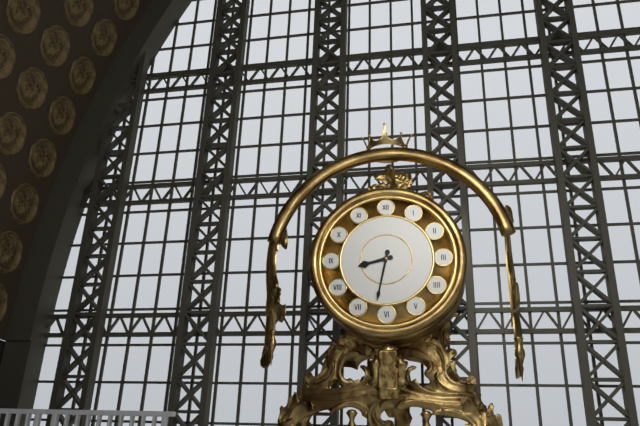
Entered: 8 h 32 min
